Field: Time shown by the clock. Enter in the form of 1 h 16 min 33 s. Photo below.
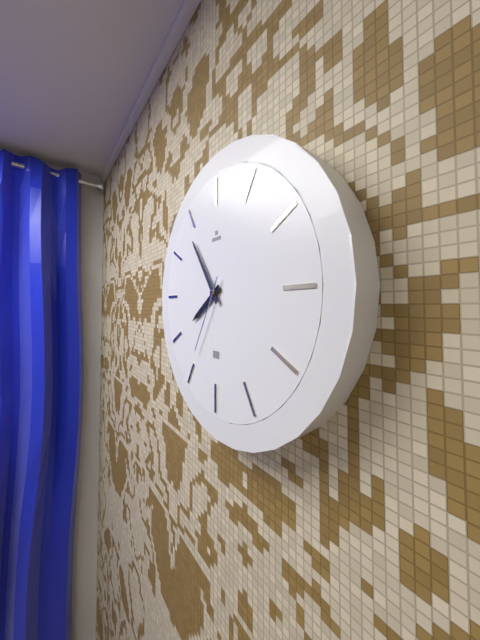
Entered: 7 h 54 min 35 s
